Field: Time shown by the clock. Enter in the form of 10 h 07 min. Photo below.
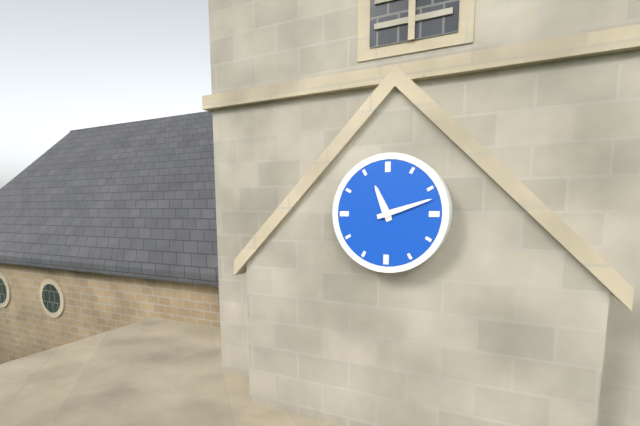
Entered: 11 h 12 min
